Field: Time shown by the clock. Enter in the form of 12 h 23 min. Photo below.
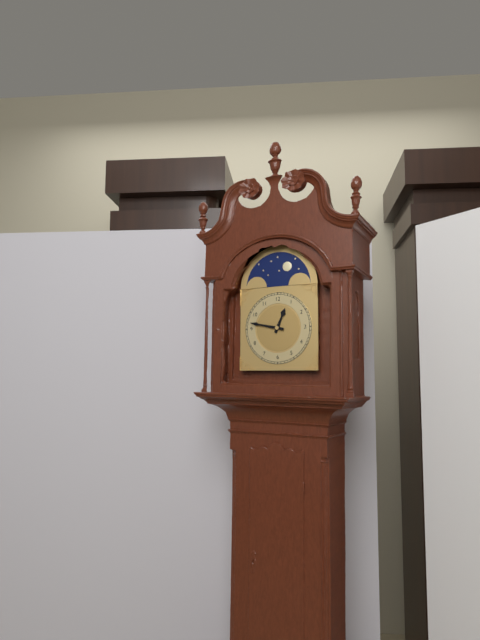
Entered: 12 h 47 min
